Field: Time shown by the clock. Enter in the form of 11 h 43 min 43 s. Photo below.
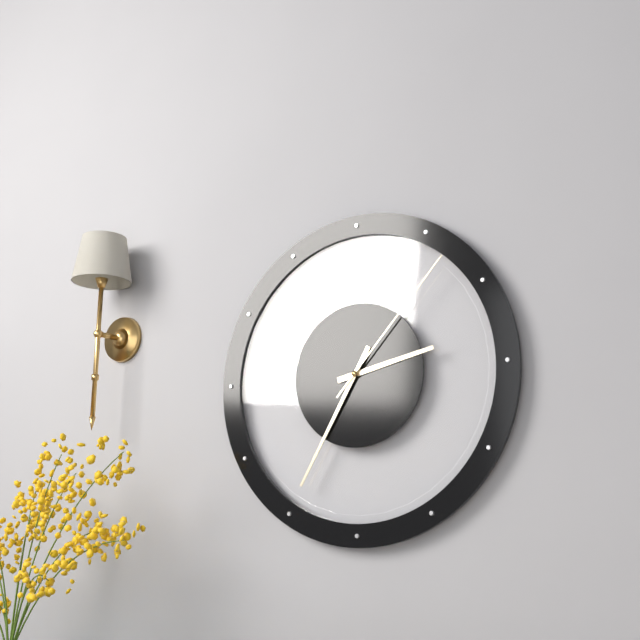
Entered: 2 h 35 min 07 s
